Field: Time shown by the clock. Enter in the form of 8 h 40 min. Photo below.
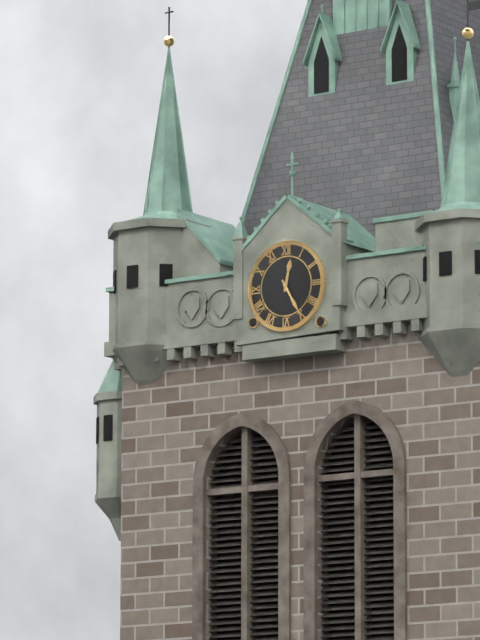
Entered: 12 h 25 min
